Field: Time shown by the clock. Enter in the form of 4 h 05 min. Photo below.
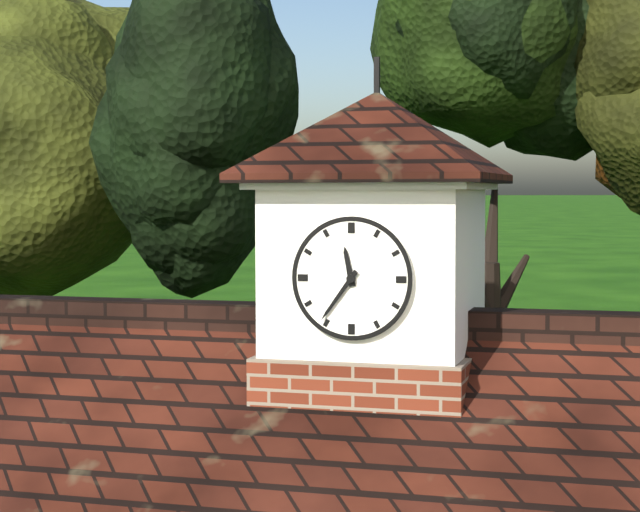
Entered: 11 h 36 min
